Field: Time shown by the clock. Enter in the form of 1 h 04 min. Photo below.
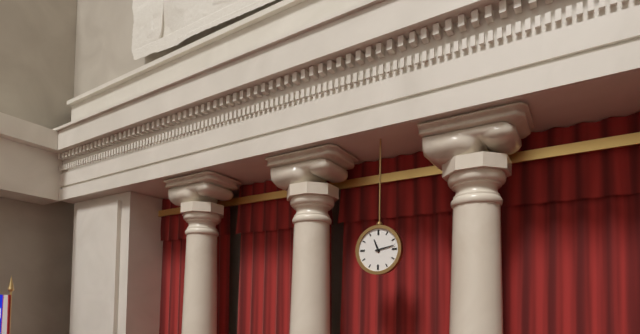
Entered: 11 h 13 min
